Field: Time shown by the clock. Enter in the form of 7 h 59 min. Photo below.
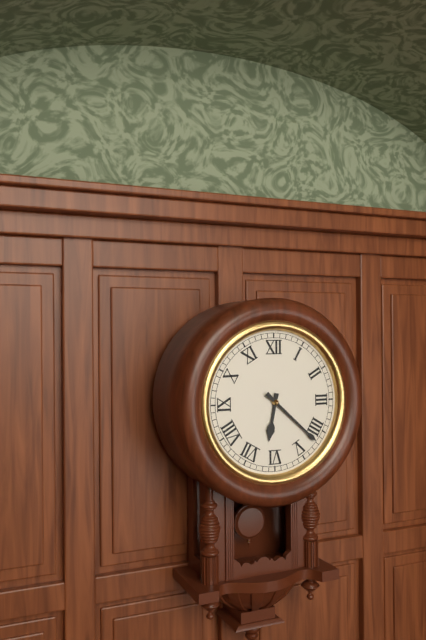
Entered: 6 h 22 min
